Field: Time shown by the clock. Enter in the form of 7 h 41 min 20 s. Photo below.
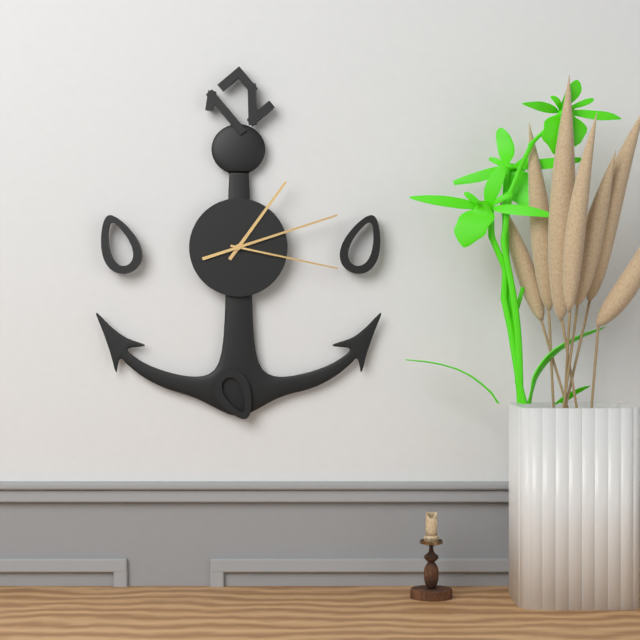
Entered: 1 h 12 min 17 s
